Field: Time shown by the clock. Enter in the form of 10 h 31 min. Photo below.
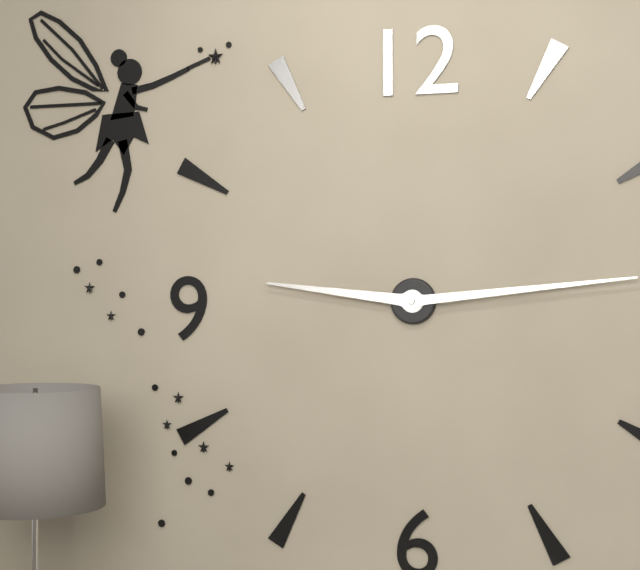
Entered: 9 h 14 min
